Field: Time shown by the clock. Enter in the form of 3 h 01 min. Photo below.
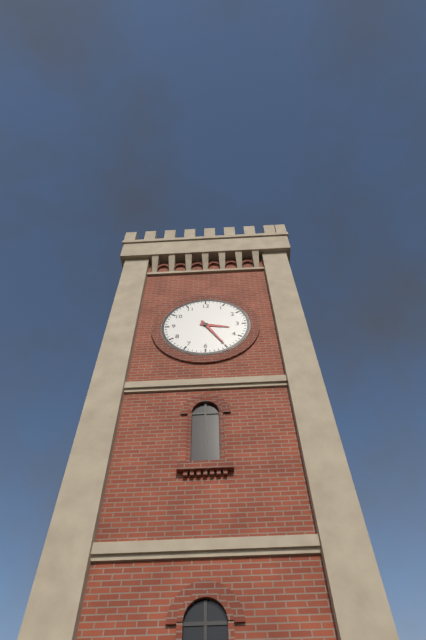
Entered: 3 h 25 min
